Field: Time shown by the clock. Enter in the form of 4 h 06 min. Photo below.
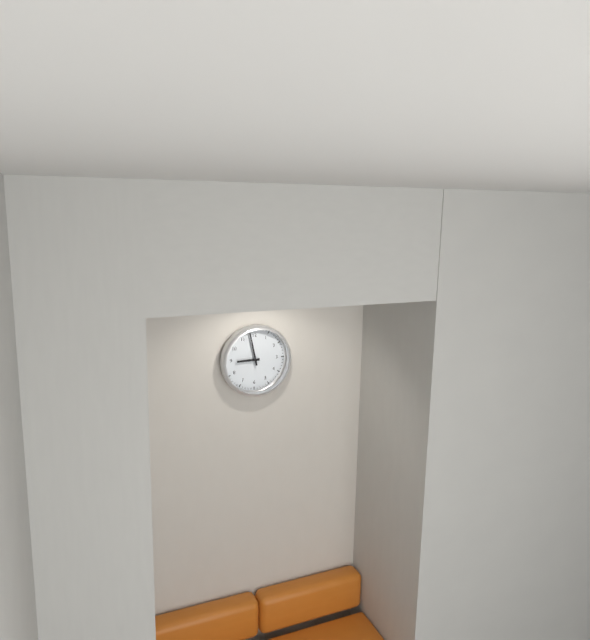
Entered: 8 h 58 min
